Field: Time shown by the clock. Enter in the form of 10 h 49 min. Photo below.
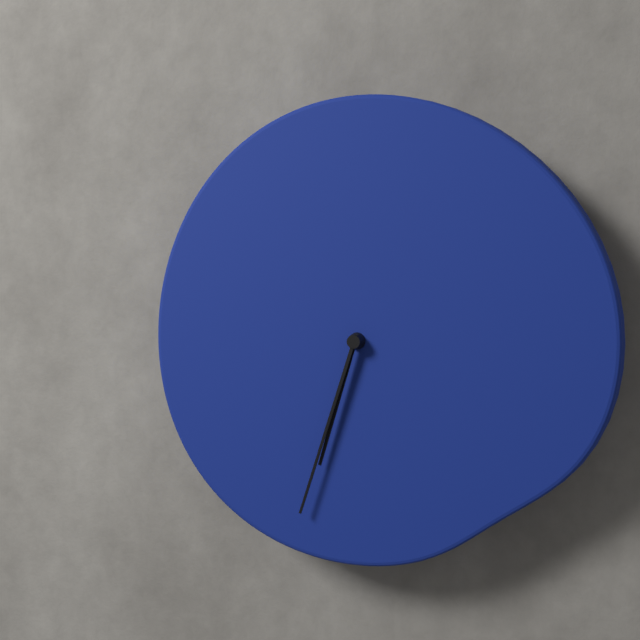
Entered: 6 h 33 min
